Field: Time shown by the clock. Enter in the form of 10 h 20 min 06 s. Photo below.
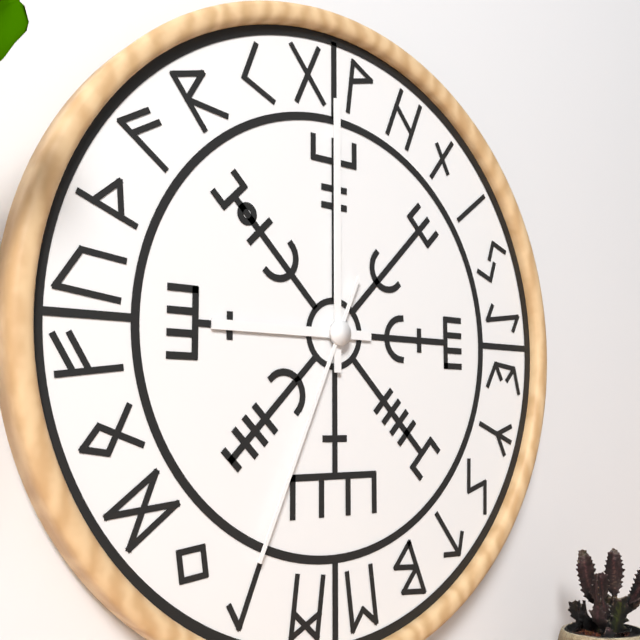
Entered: 9 h 00 min 34 s
